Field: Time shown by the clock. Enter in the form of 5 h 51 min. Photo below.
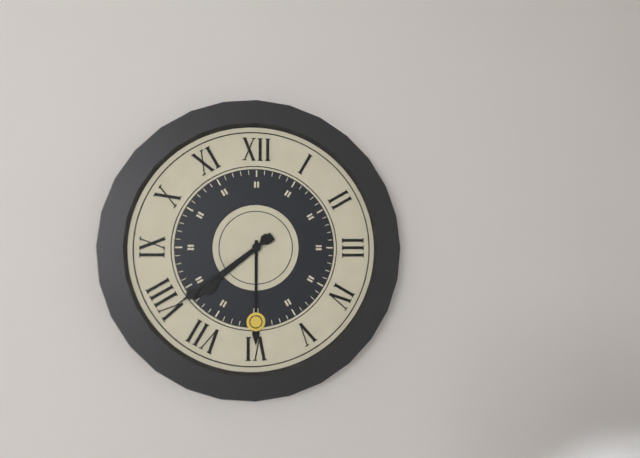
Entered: 7 h 39 min
